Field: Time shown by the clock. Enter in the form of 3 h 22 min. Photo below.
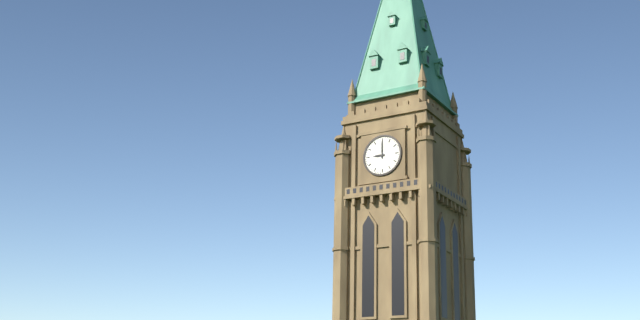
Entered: 9 h 00 min
